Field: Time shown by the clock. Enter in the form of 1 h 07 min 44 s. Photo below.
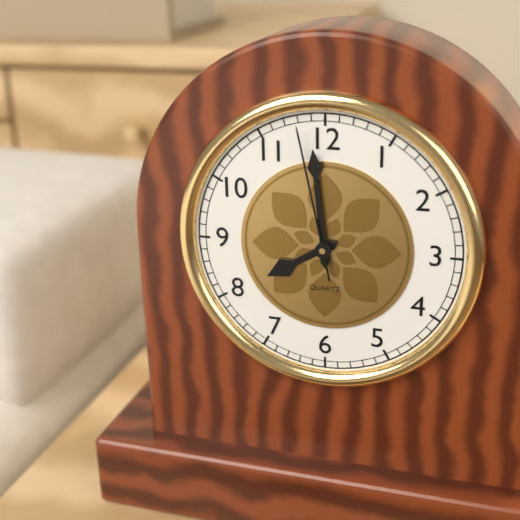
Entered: 7 h 59 min 58 s
